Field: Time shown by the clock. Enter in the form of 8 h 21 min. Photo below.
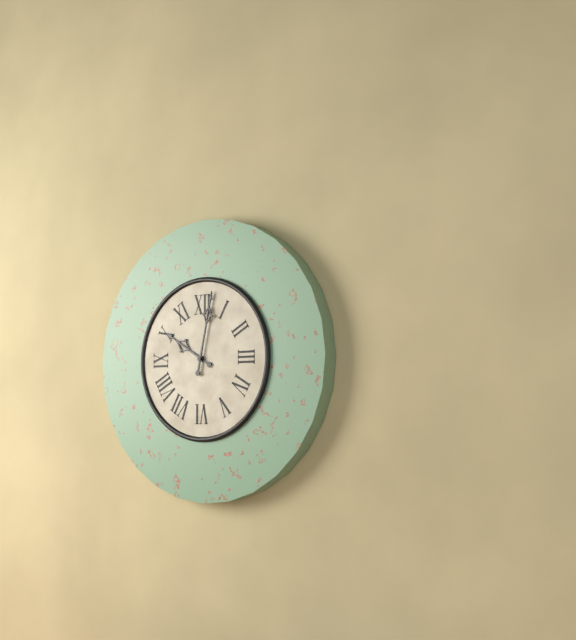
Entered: 10 h 02 min
